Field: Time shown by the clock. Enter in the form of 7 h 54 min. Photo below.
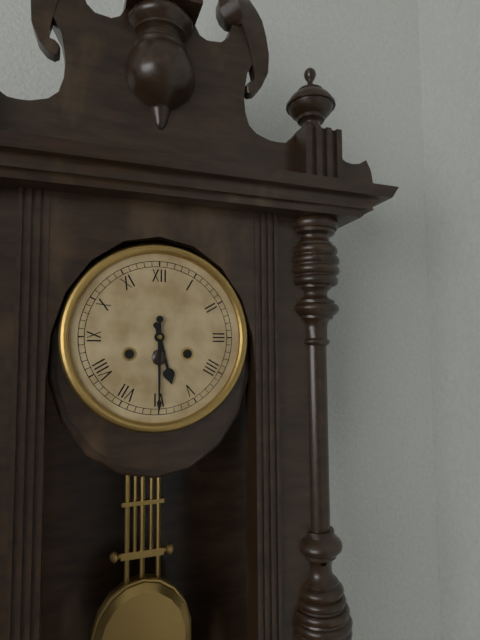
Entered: 5 h 30 min
